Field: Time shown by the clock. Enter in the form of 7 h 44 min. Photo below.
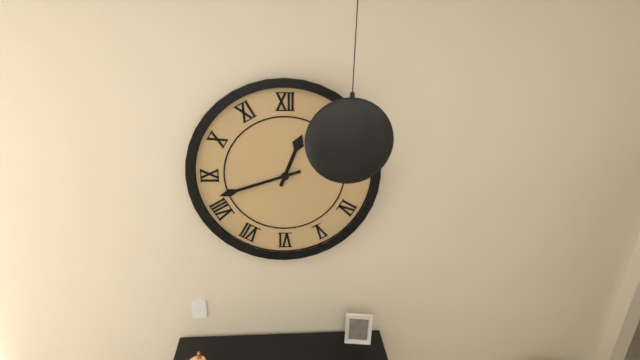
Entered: 12 h 42 min
